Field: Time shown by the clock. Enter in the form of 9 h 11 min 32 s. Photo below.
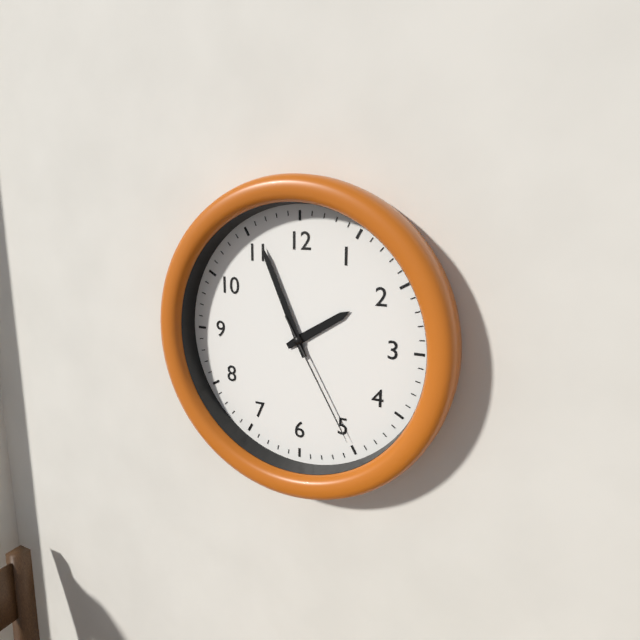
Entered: 1 h 56 min 25 s
